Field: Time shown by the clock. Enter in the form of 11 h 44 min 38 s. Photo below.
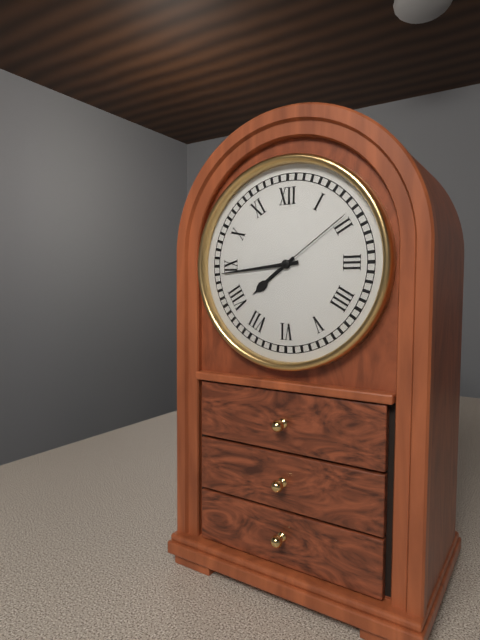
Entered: 7 h 44 min 09 s
